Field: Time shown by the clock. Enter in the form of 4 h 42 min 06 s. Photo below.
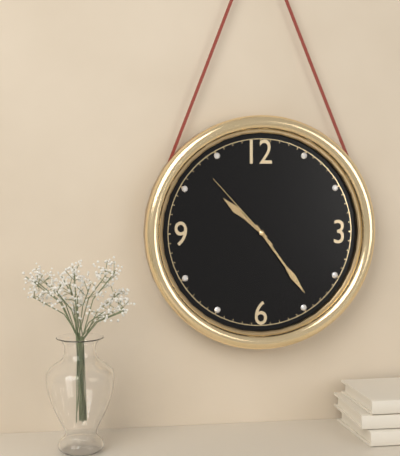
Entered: 10 h 24 min 53 s
